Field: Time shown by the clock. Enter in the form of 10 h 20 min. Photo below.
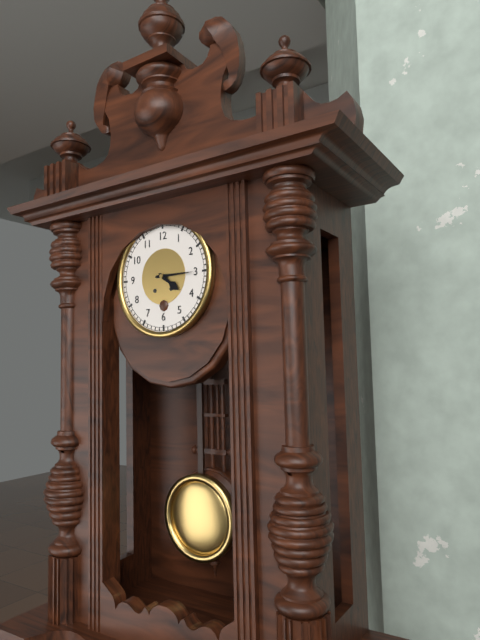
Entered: 4 h 15 min
